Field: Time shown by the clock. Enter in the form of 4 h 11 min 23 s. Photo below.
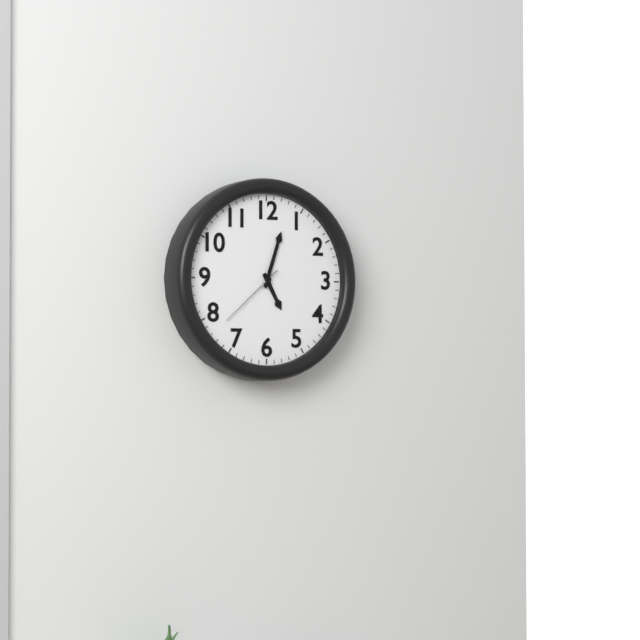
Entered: 5 h 03 min 38 s
